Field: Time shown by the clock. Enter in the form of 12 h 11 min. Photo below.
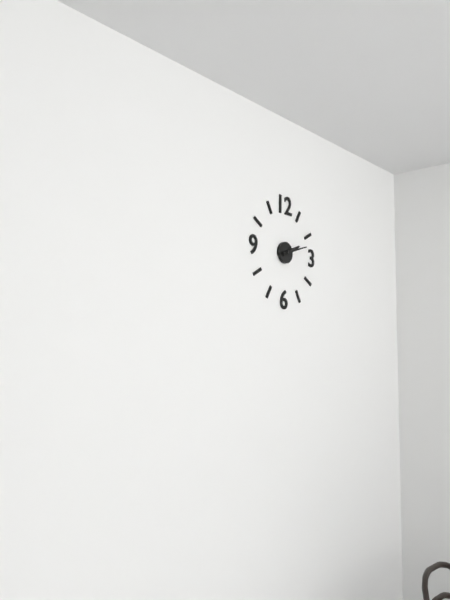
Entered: 2 h 12 min
